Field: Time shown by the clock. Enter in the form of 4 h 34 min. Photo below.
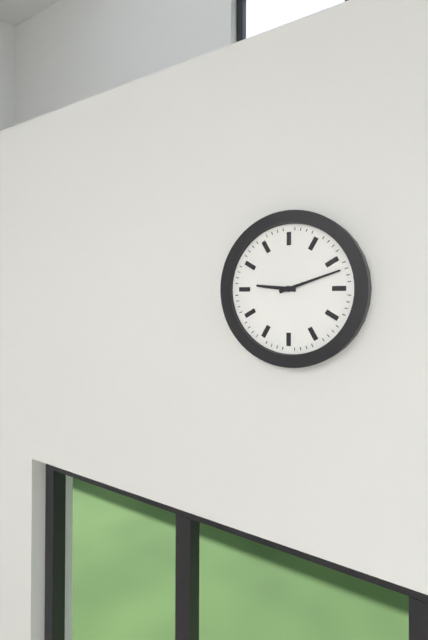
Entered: 9 h 12 min
